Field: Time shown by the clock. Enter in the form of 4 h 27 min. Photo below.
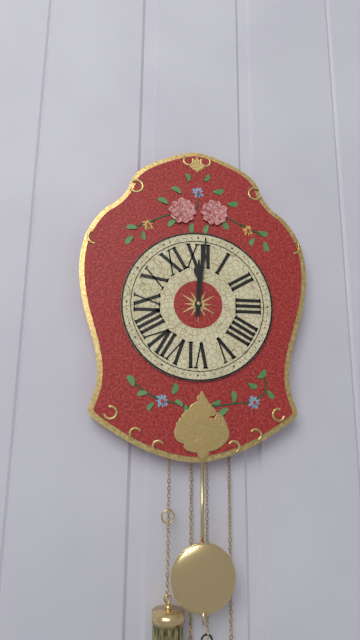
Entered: 12 h 01 min
